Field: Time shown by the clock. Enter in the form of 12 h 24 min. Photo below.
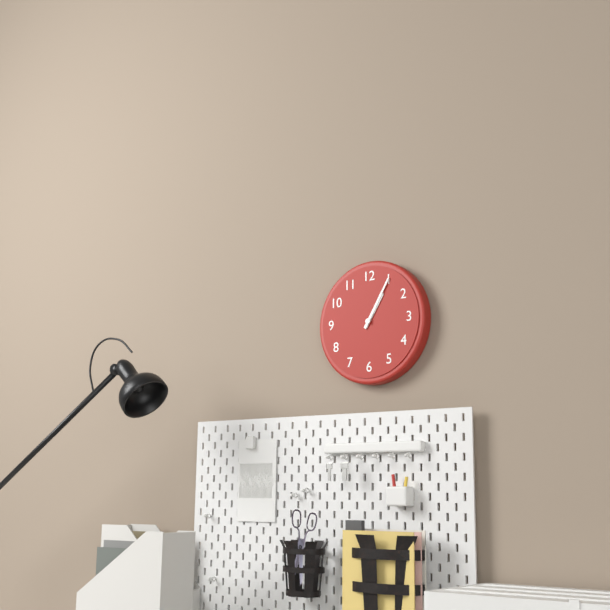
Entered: 1 h 05 min
